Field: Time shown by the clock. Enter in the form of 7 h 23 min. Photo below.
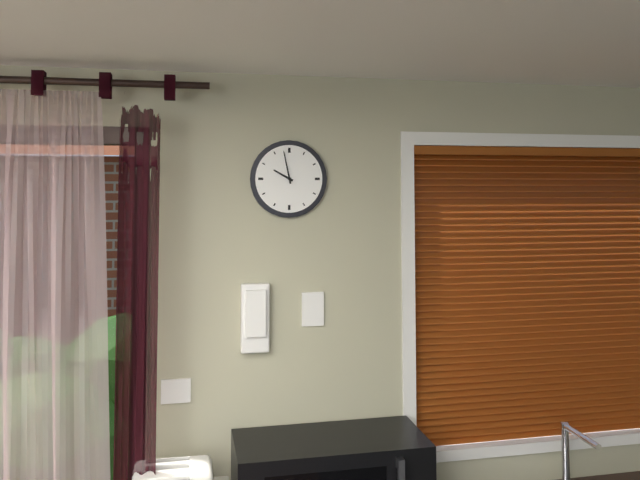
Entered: 9 h 58 min
